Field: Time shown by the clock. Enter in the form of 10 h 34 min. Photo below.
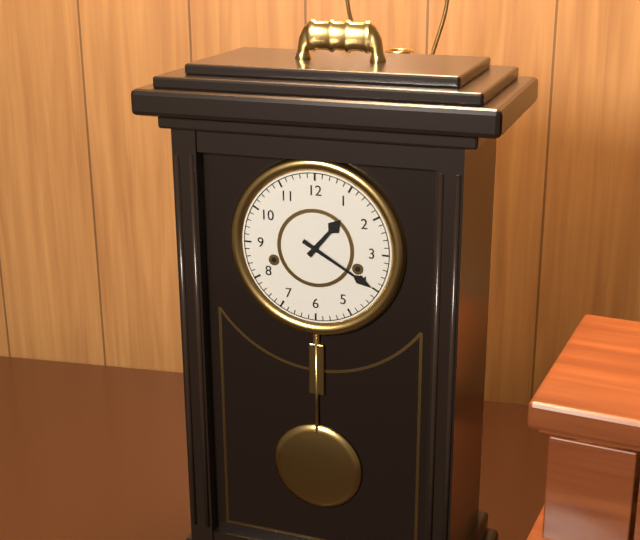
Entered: 1 h 20 min
